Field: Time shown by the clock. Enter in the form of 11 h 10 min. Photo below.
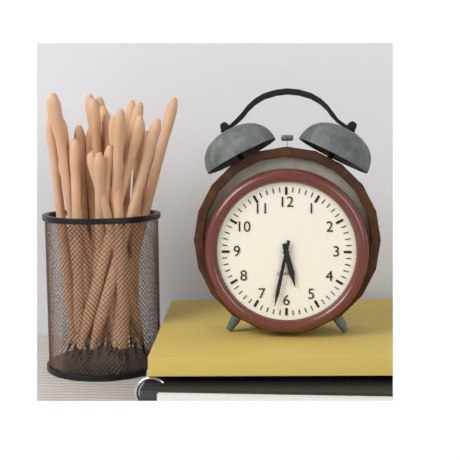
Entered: 5 h 32 min
